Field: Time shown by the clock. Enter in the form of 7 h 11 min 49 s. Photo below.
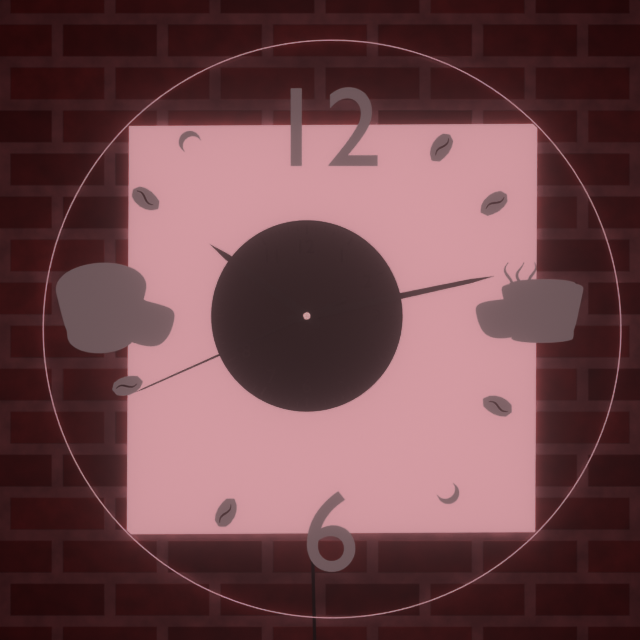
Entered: 10 h 13 min 41 s
